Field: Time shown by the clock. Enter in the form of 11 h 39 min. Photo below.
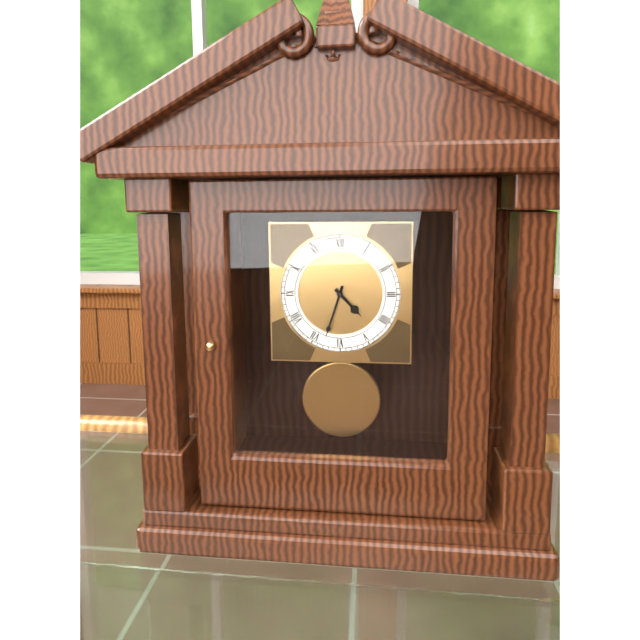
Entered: 4 h 33 min
